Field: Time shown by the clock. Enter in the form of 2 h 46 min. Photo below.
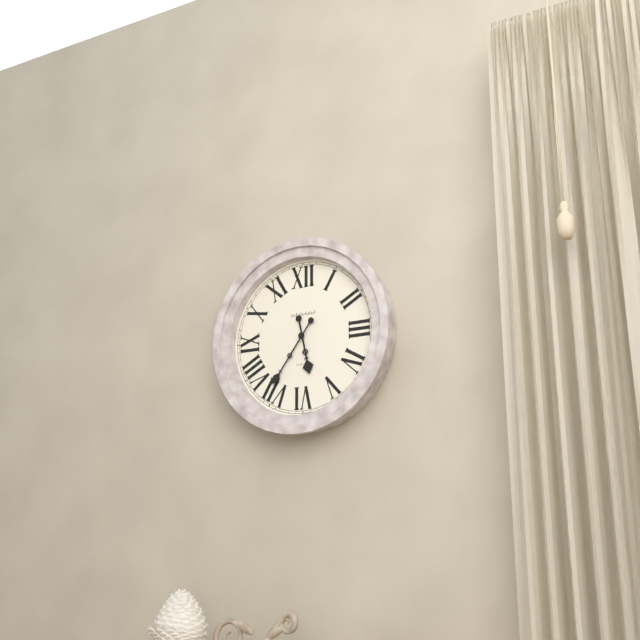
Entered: 5 h 36 min
